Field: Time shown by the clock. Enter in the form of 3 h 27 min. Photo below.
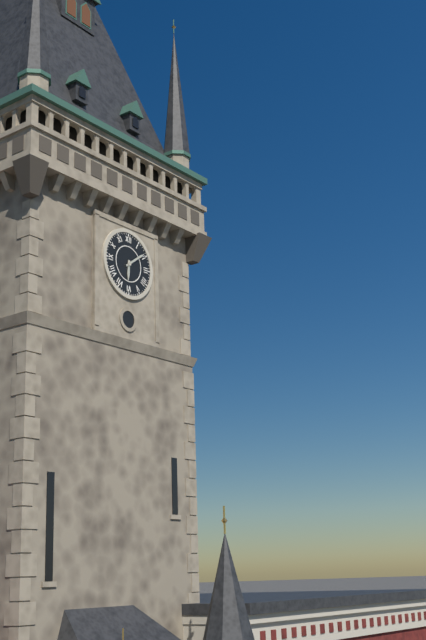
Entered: 6 h 09 min
